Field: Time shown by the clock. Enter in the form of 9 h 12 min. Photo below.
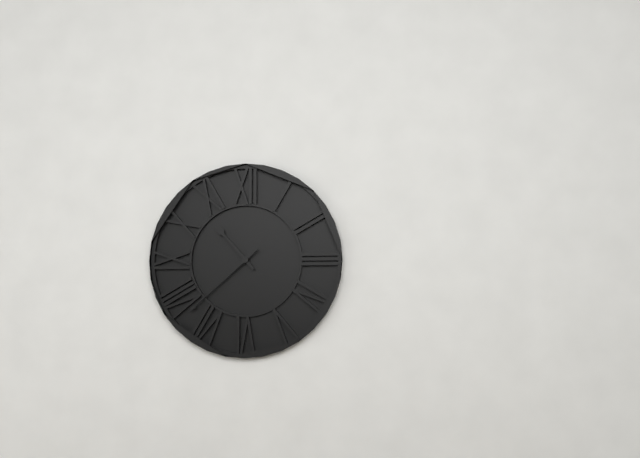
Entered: 10 h 38 min
